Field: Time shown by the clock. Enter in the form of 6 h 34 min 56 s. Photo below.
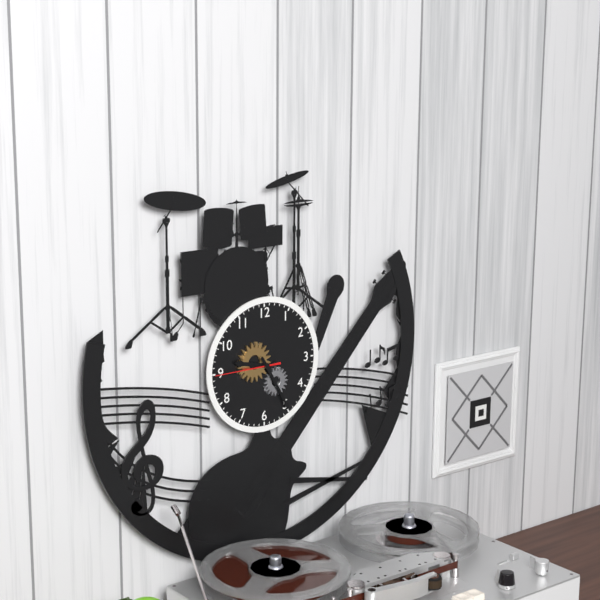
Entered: 9 h 25 min 45 s
